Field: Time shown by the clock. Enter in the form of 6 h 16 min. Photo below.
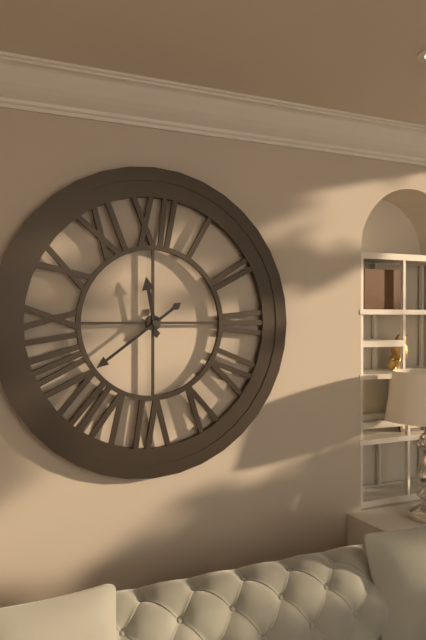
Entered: 11 h 39 min
